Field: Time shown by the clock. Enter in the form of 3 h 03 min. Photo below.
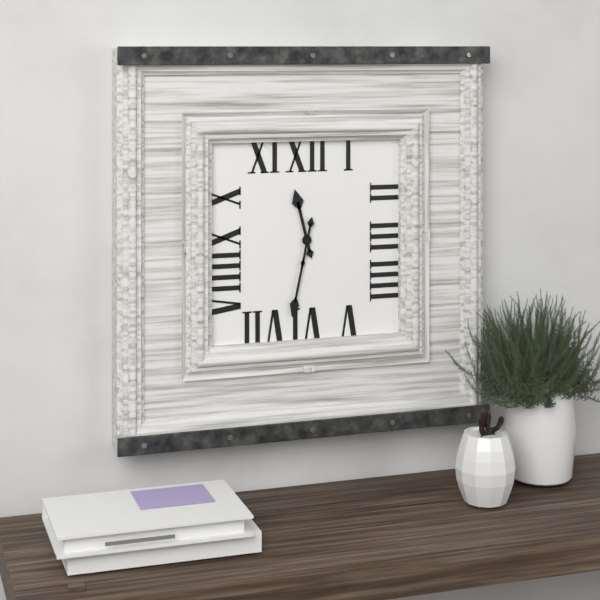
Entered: 11 h 32 min
